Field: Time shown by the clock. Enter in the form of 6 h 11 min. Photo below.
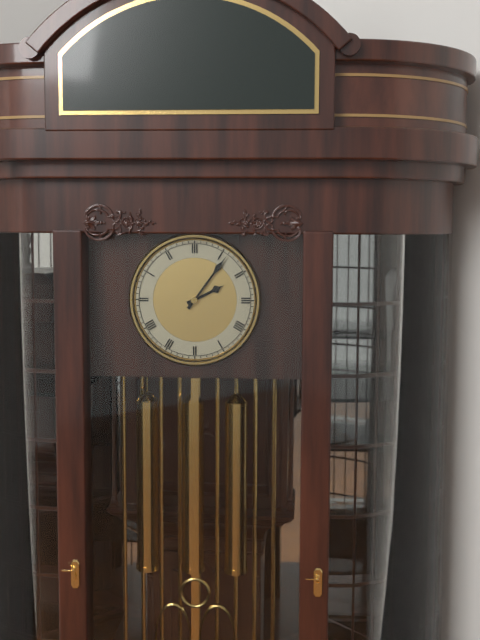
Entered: 2 h 06 min
